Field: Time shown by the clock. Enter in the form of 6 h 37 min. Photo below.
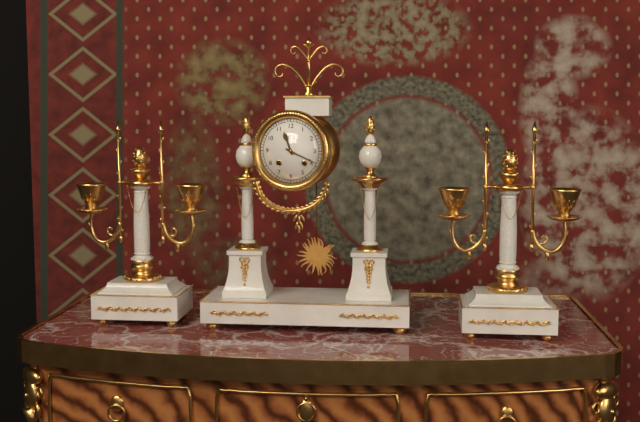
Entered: 11 h 19 min
